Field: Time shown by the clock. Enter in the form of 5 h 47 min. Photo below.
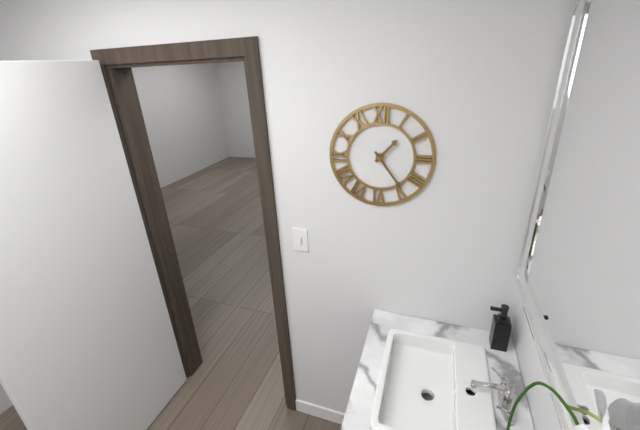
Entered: 1 h 24 min
